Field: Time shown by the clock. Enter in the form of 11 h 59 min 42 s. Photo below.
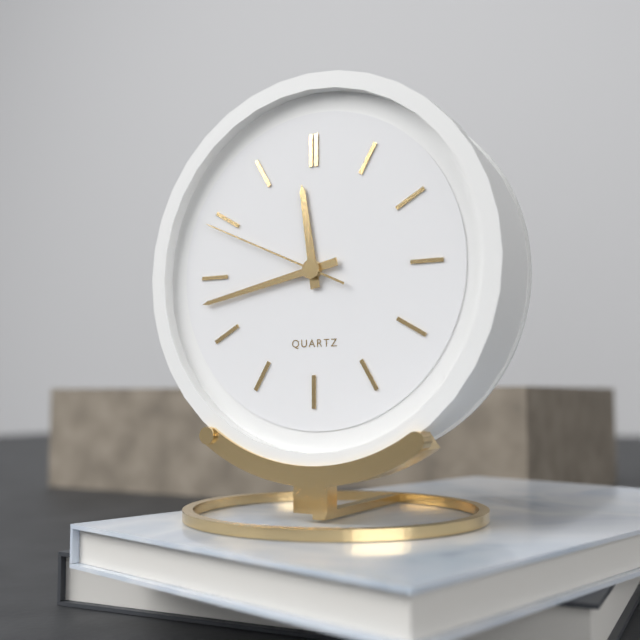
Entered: 11 h 43 min 49 s
